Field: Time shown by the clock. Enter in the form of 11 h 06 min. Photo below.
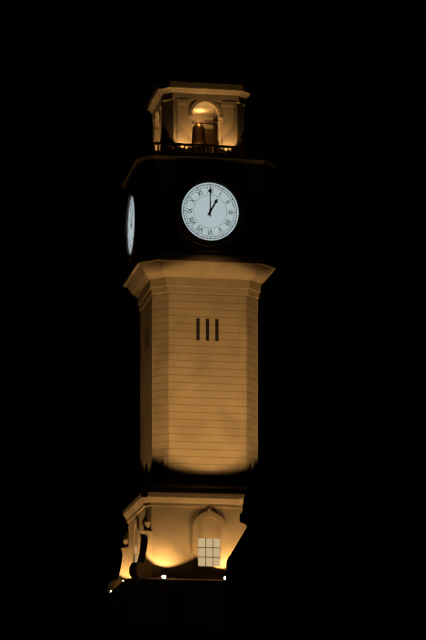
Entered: 1 h 00 min
